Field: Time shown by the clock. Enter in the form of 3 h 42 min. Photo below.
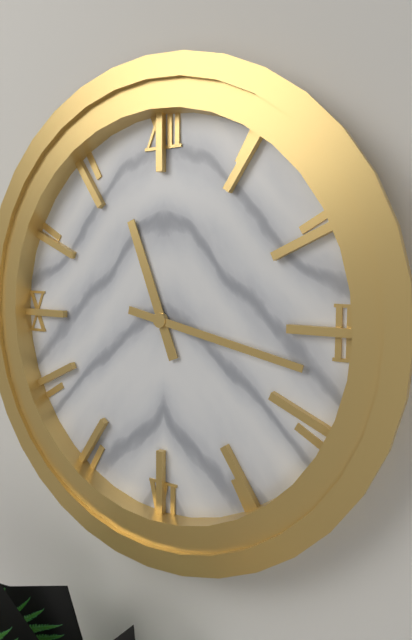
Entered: 11 h 17 min
